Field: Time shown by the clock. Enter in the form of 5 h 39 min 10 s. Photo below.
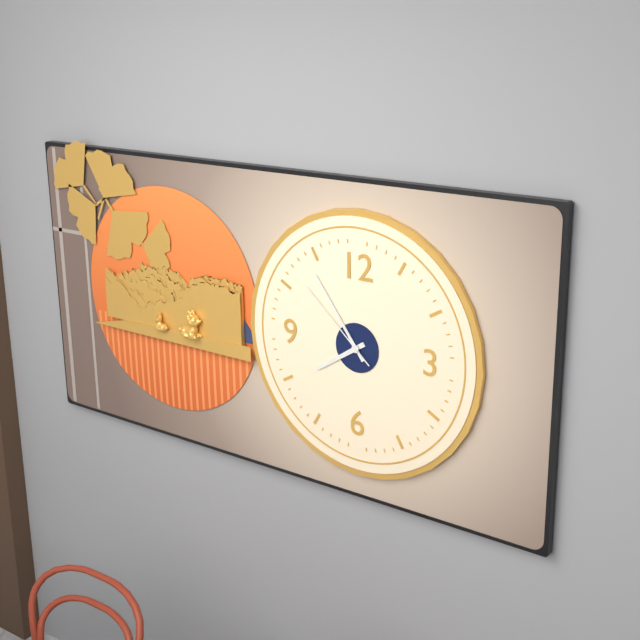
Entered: 7 h 54 min 52 s
